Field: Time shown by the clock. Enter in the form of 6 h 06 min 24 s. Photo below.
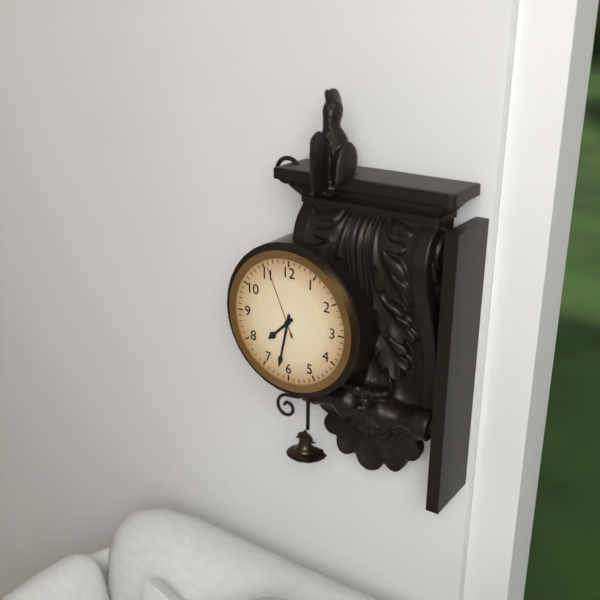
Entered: 7 h 32 min 56 s
